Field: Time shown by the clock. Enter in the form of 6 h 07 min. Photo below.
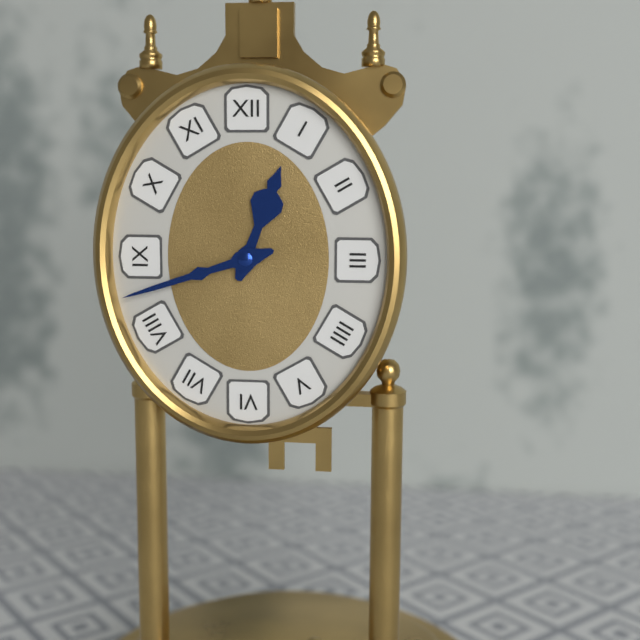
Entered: 12 h 42 min
